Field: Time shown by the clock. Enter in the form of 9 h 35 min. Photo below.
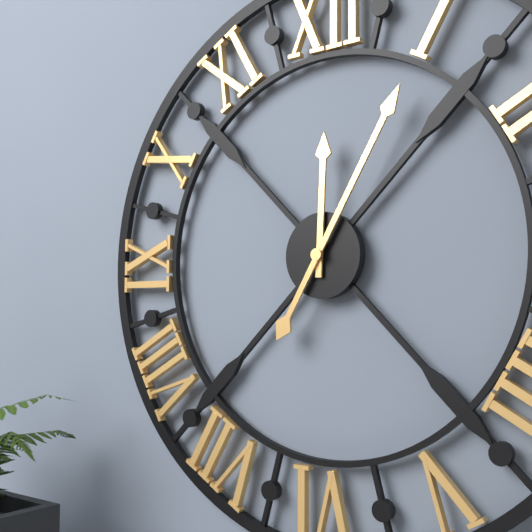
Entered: 12 h 05 min
